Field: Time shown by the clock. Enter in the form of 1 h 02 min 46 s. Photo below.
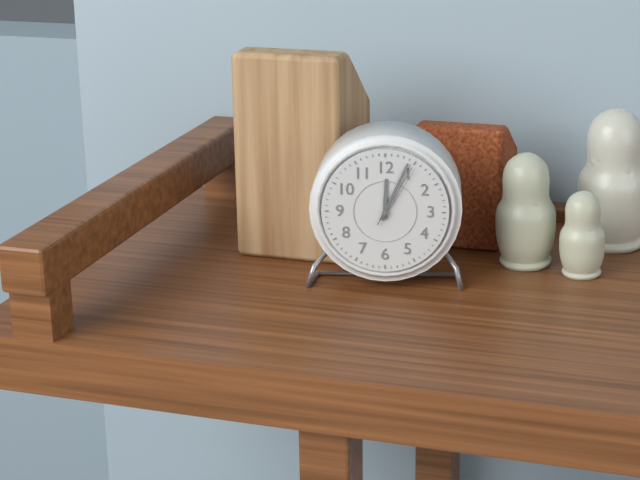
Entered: 12 h 04 min 05 s
